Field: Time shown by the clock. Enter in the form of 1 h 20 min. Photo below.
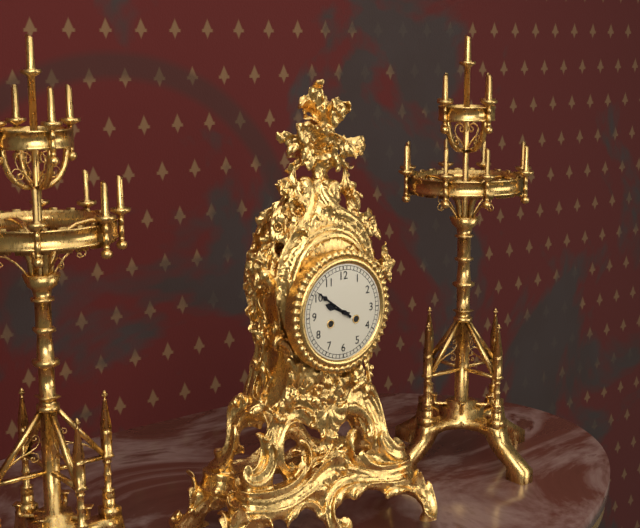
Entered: 9 h 51 min
